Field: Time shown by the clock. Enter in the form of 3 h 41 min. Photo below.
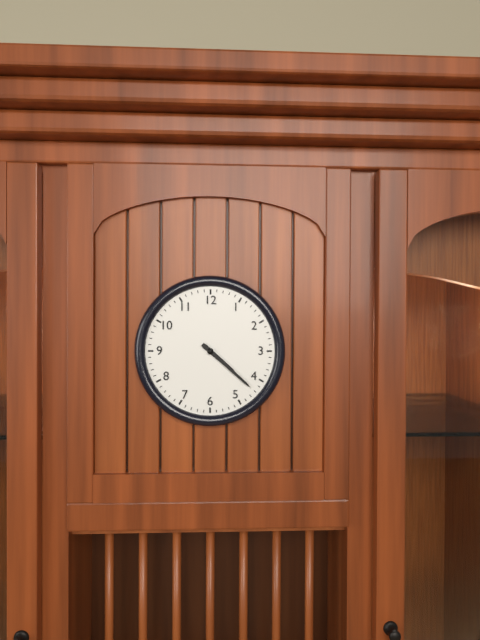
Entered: 4 h 22 min
